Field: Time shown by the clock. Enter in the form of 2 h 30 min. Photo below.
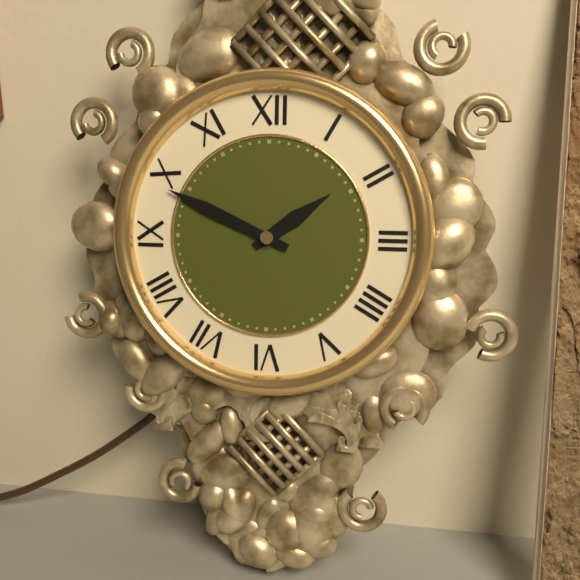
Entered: 1 h 49 min
